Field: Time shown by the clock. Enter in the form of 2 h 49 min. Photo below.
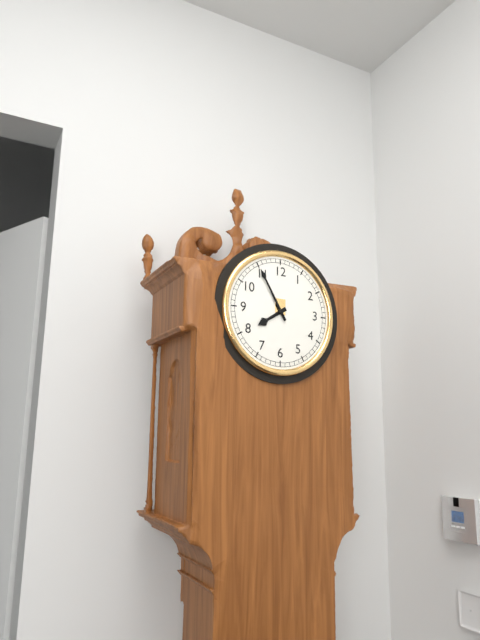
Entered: 7 h 55 min
